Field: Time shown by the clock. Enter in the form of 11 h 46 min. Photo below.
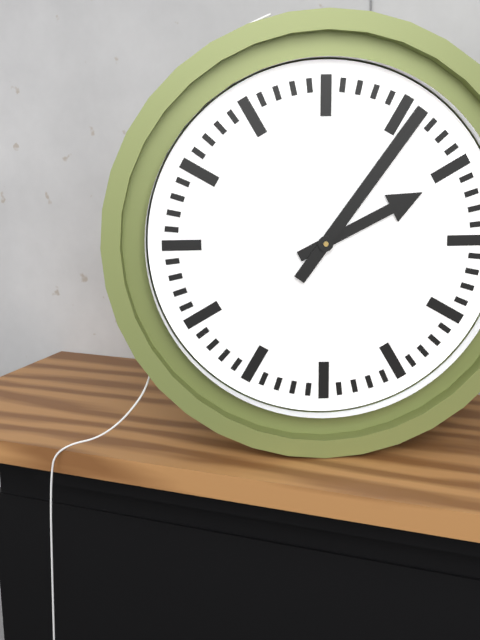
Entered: 2 h 06 min
